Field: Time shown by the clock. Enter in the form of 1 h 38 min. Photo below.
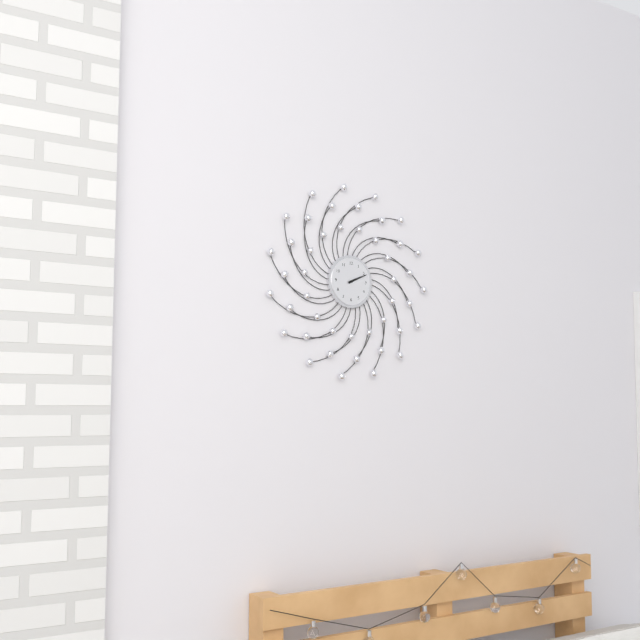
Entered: 2 h 11 min
